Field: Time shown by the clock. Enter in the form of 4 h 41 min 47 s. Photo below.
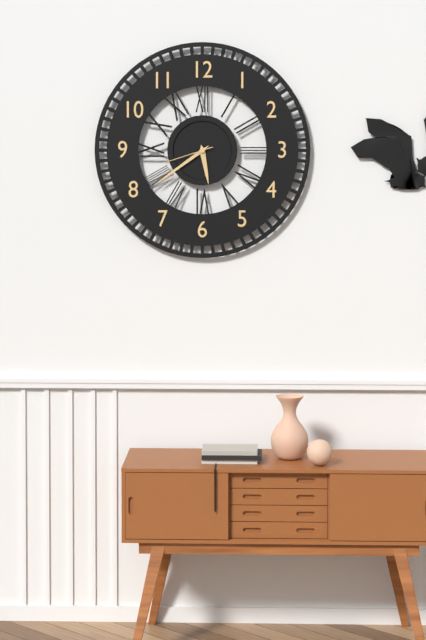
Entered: 5 h 39 min 42 s
